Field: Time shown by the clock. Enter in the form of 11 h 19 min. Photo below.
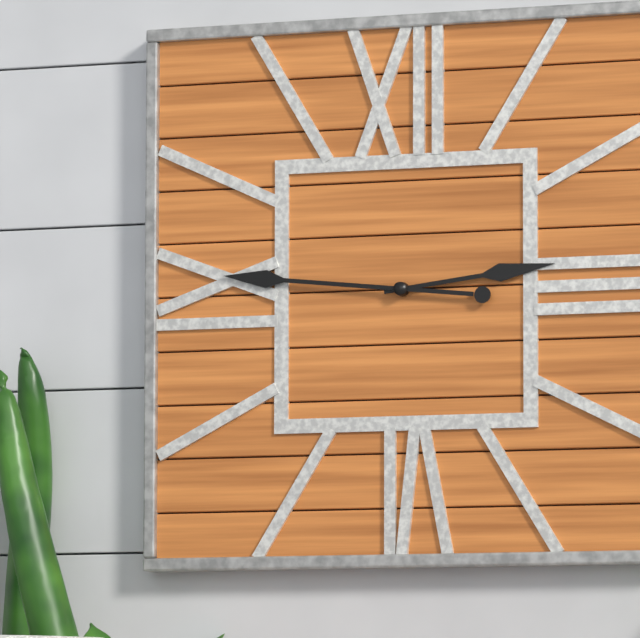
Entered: 2 h 46 min
